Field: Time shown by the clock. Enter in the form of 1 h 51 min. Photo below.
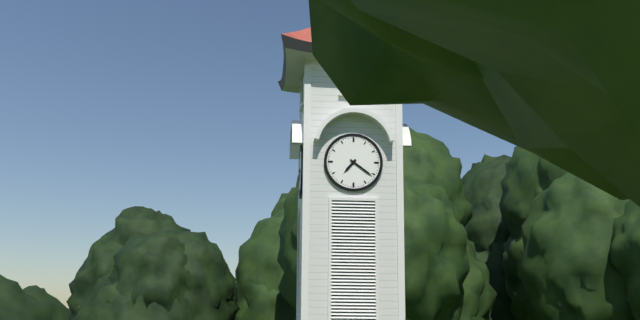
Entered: 7 h 21 min
